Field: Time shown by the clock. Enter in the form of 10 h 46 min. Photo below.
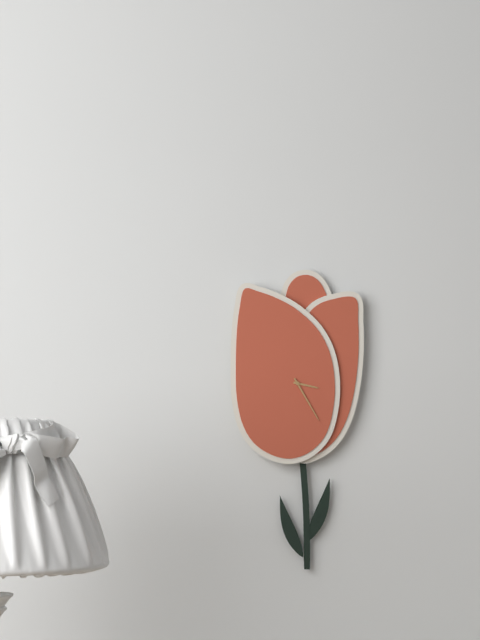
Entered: 3 h 25 min
